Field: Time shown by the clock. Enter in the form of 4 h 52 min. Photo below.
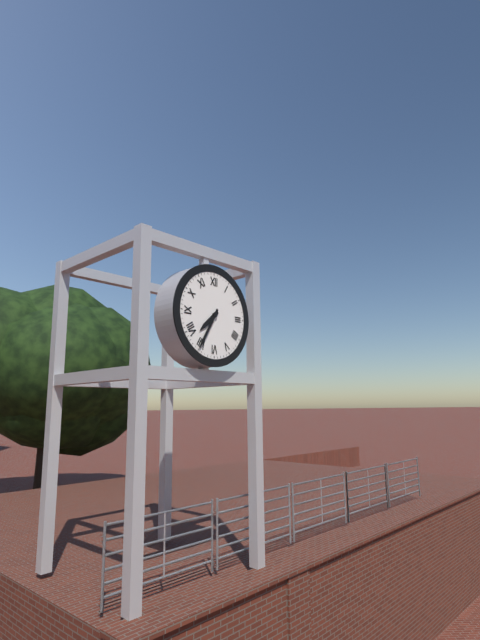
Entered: 7 h 35 min
